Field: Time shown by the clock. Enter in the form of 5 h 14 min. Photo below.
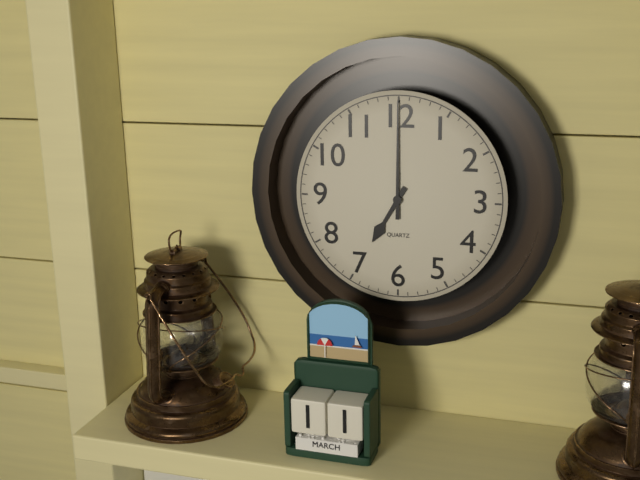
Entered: 7 h 00 min
